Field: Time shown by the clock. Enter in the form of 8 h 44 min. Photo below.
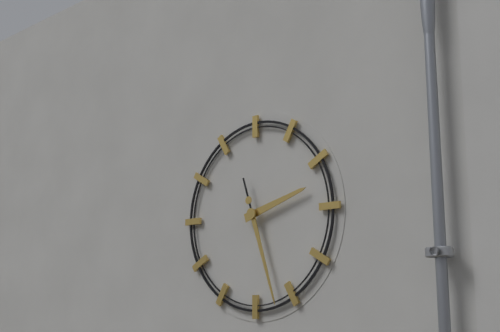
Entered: 2 h 27 min
